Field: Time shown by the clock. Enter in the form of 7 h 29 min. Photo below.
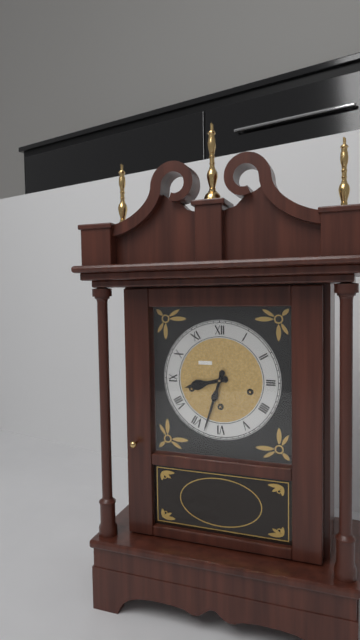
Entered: 8 h 33 min
